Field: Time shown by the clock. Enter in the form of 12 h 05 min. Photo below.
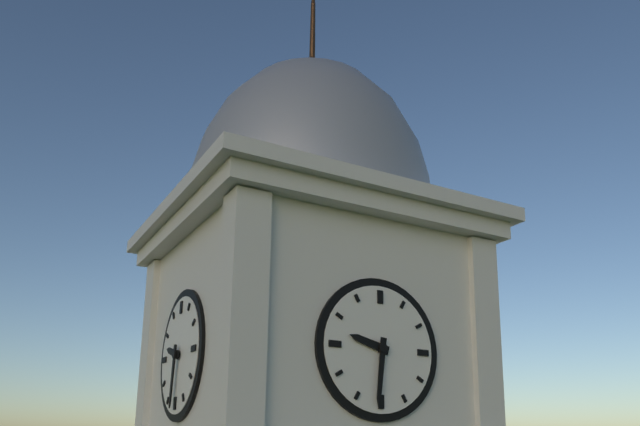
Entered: 9 h 31 min
